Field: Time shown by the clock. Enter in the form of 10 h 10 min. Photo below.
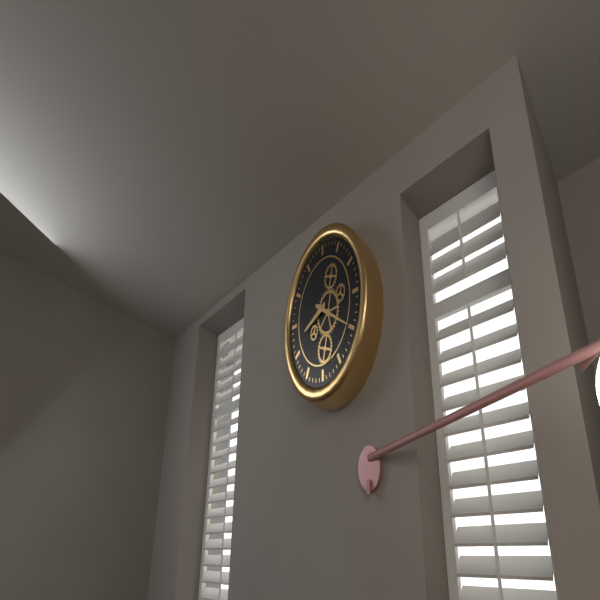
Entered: 8 h 20 min
